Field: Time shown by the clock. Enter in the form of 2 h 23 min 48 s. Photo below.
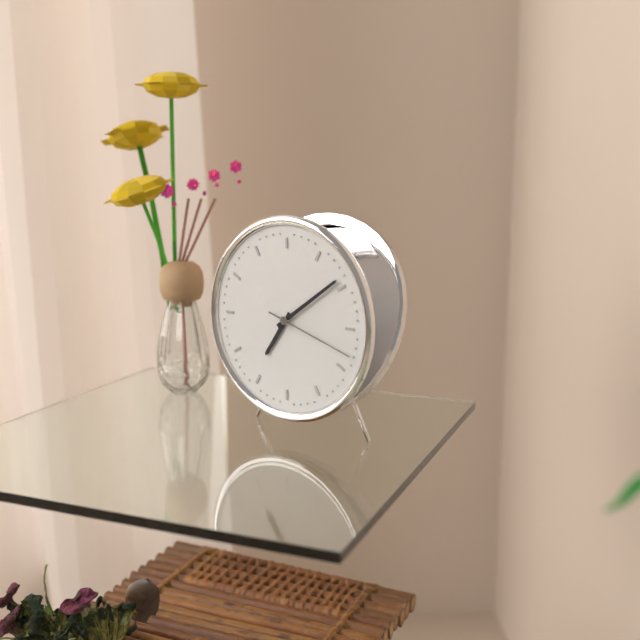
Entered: 7 h 09 min 18 s
